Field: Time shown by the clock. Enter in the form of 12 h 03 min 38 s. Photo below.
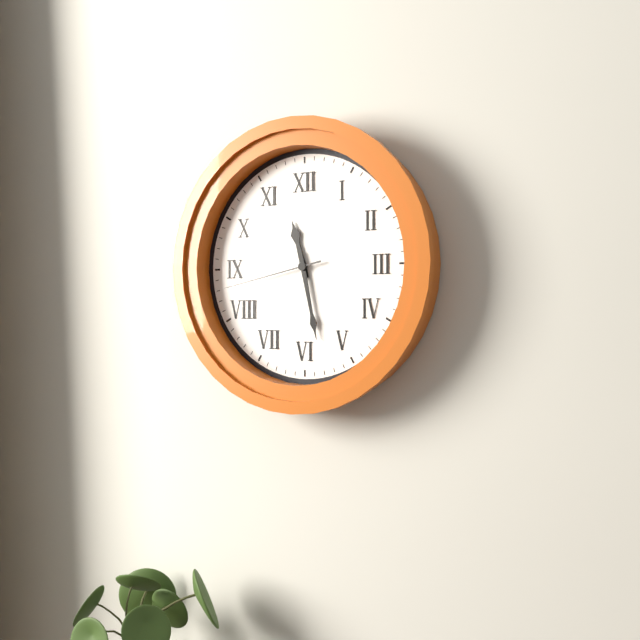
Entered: 11 h 28 min 43 s
